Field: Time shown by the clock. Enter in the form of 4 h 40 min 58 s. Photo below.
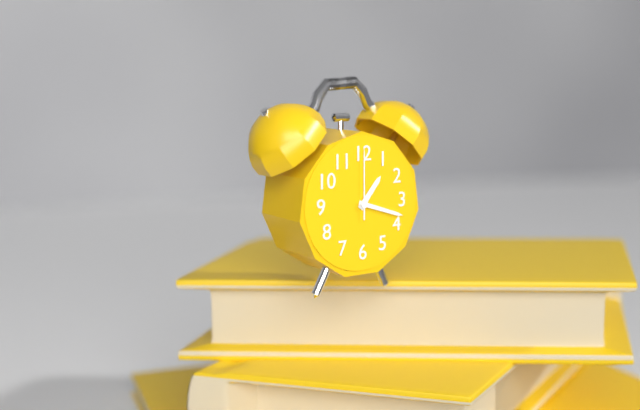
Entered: 1 h 18 min 00 s
